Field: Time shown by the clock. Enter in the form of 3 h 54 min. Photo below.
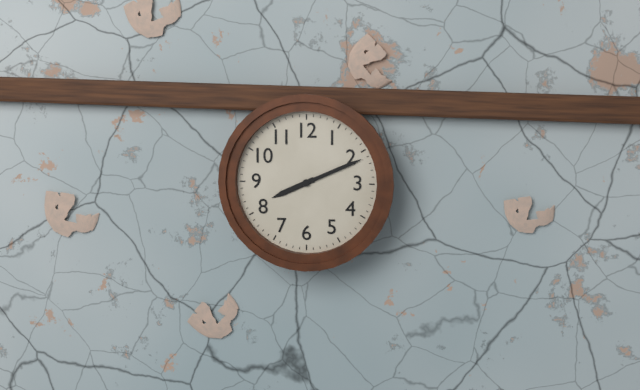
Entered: 8 h 11 min
